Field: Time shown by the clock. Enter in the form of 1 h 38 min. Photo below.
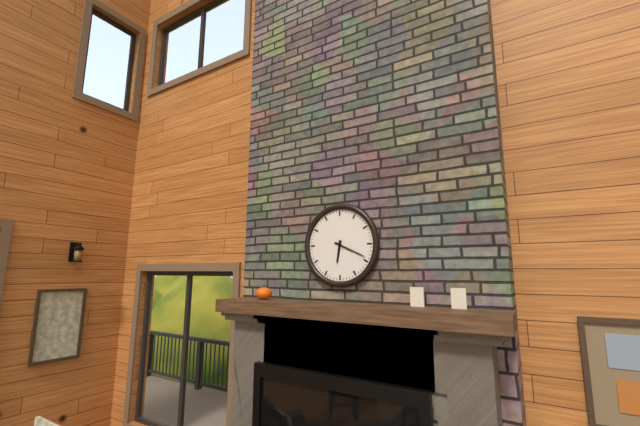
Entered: 6 h 19 min
